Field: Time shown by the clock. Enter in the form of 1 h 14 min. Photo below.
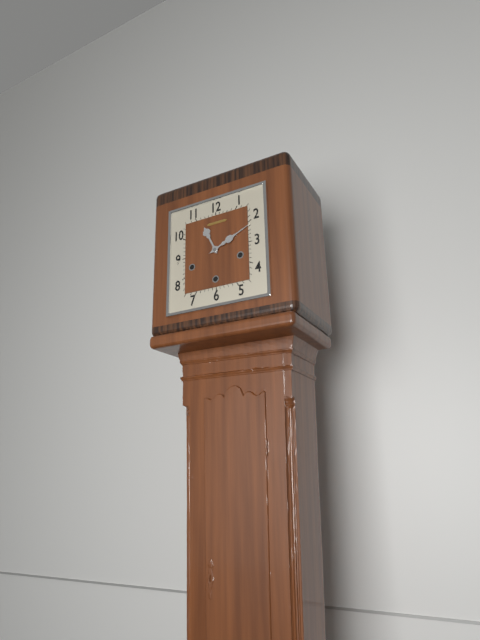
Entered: 11 h 11 min
